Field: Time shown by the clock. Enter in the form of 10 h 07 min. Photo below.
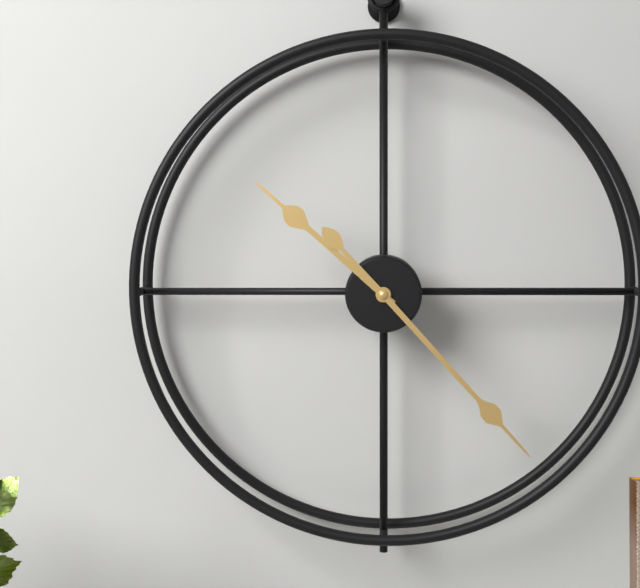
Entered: 10 h 23 min
